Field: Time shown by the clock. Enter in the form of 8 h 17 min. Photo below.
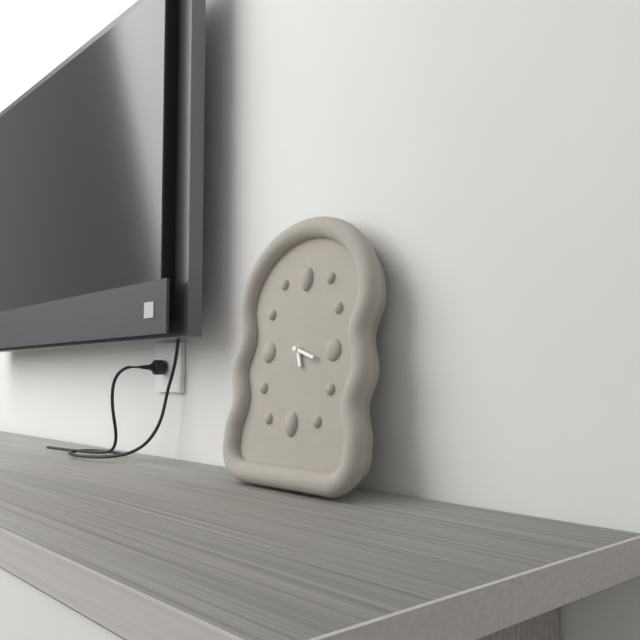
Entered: 5 h 18 min
